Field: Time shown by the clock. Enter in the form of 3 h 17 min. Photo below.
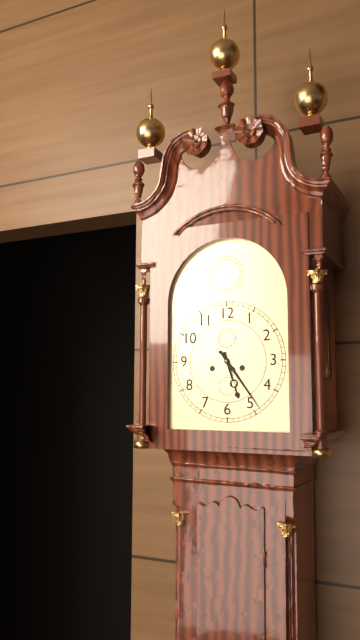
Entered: 5 h 24 min
